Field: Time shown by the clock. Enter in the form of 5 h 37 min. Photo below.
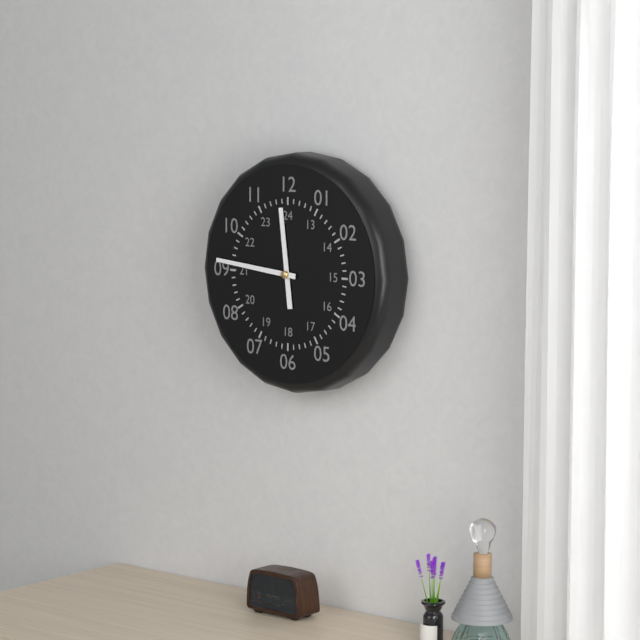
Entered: 11 h 46 min
